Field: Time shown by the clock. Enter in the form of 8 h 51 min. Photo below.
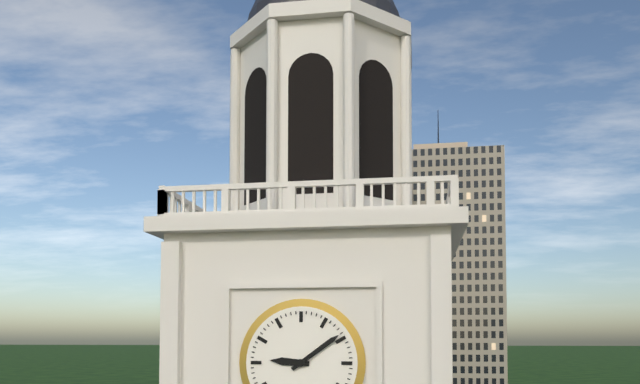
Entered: 9 h 09 min
